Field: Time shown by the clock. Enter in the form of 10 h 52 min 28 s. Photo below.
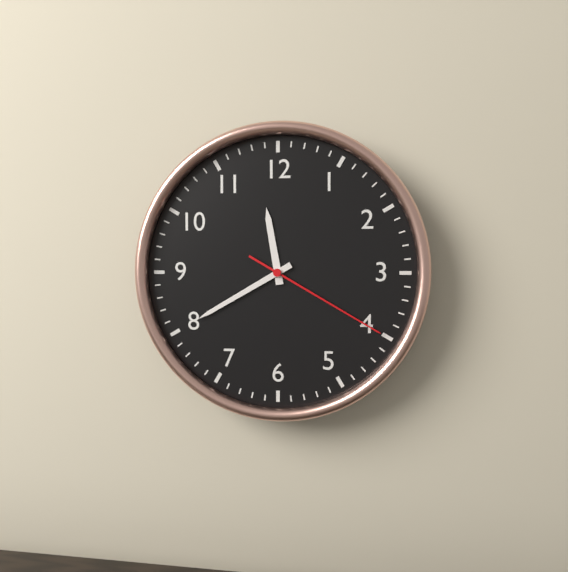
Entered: 11 h 40 min 20 s
